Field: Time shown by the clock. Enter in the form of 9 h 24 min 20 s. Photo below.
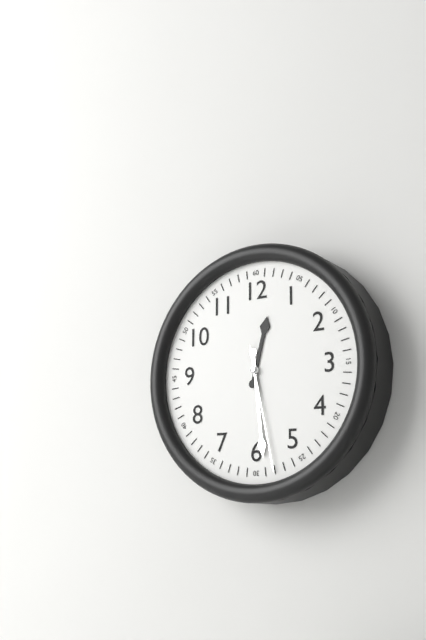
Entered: 12 h 29 min 28 s
